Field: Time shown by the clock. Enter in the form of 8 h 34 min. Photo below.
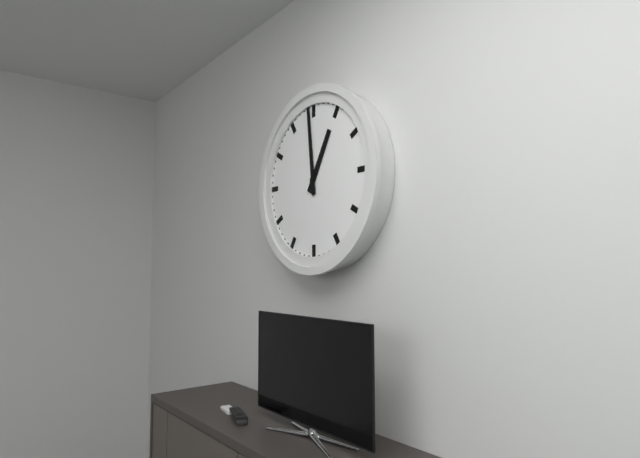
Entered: 12 h 59 min
